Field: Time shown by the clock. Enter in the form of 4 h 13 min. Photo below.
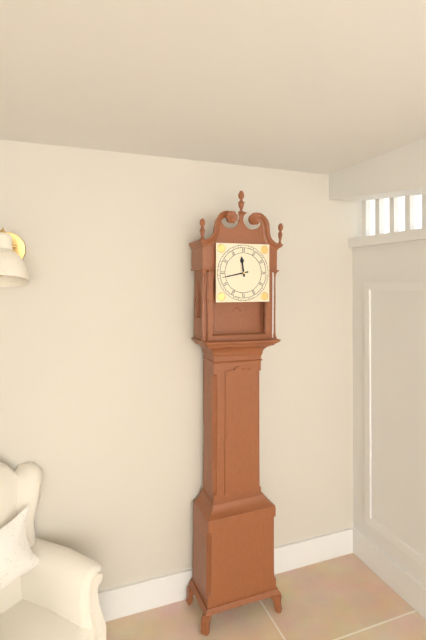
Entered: 11 h 43 min
